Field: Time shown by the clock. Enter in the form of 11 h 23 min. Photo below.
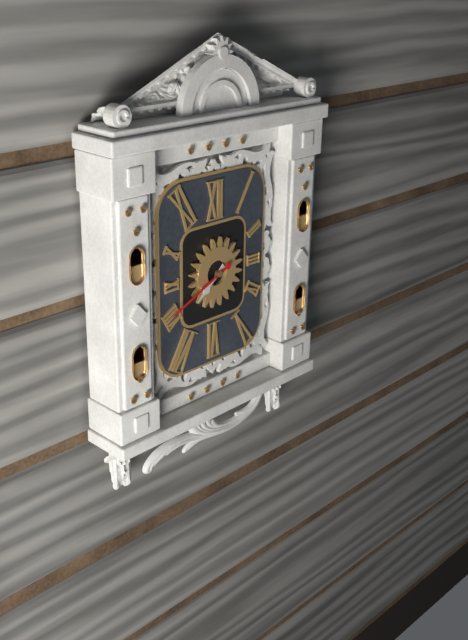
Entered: 7 h 41 min
